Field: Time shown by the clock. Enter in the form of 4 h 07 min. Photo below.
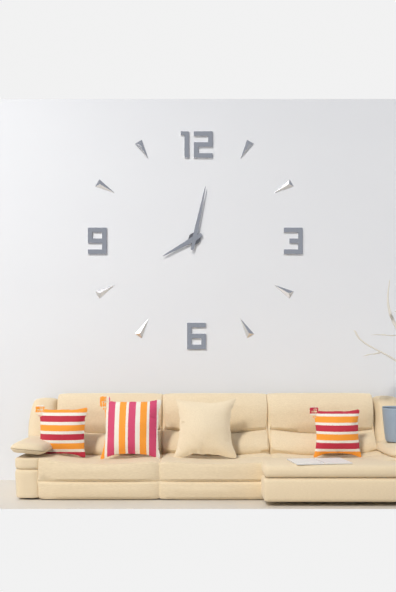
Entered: 8 h 02 min
